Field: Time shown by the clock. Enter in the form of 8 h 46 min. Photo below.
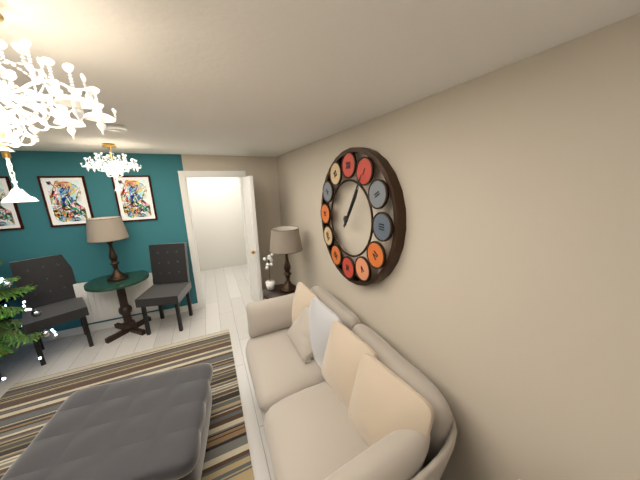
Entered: 1 h 05 min
